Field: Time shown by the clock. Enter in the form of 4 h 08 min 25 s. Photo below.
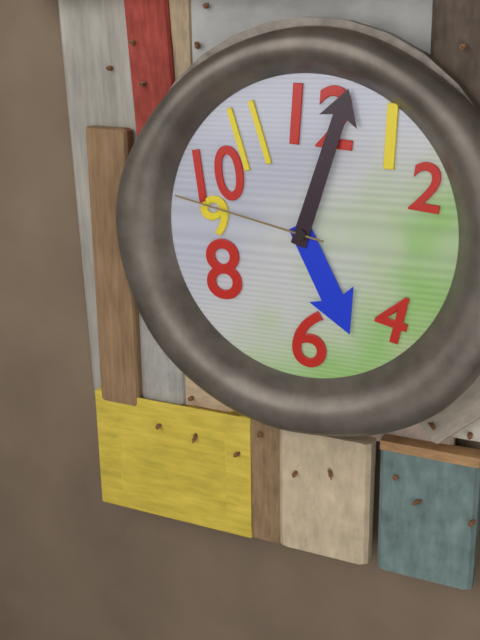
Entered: 5 h 03 min 47 s
